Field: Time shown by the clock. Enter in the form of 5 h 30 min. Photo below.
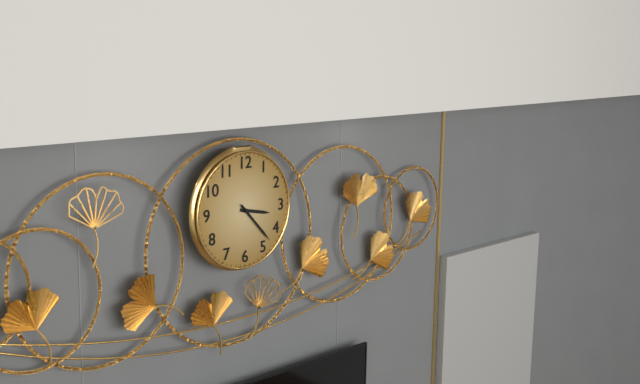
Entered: 3 h 23 min
